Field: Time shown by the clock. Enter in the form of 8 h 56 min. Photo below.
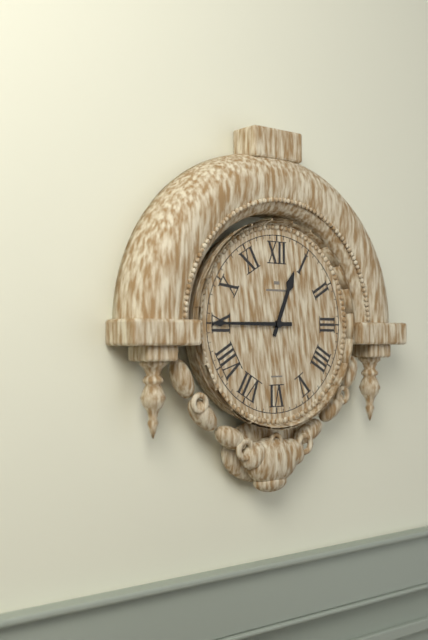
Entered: 12 h 45 min
